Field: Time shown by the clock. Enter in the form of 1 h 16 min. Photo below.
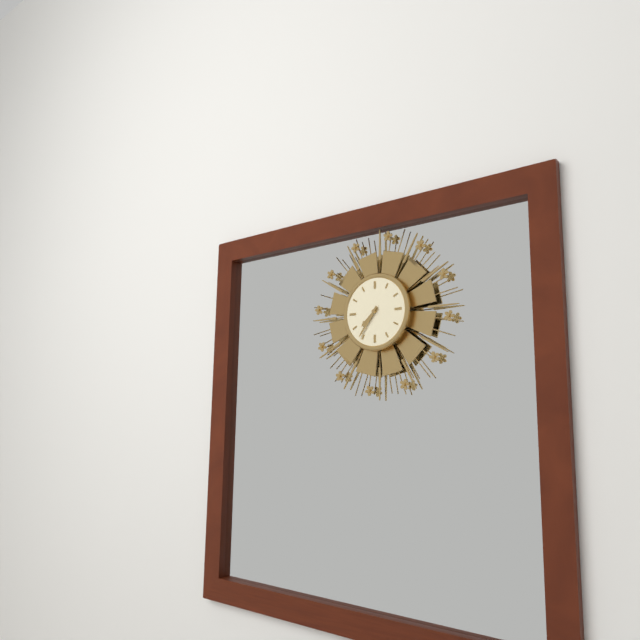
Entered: 7 h 36 min
